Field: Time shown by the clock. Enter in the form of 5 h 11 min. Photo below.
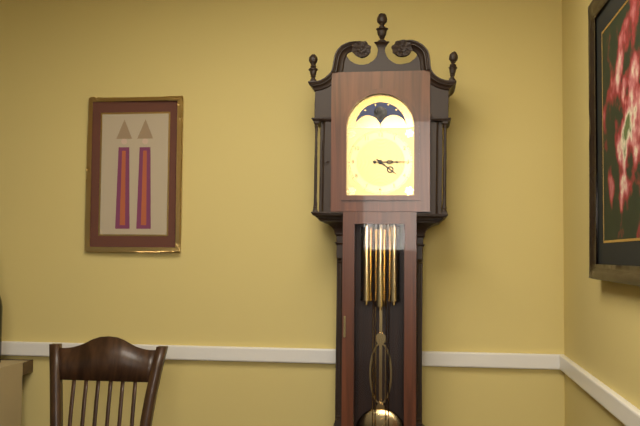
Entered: 4 h 15 min
